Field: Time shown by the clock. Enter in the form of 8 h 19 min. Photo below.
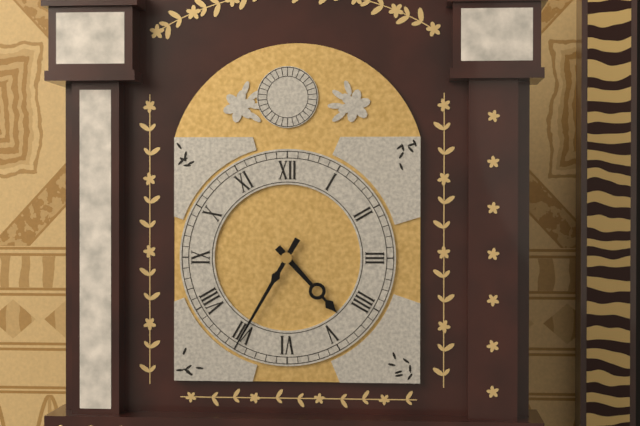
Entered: 4 h 35 min
